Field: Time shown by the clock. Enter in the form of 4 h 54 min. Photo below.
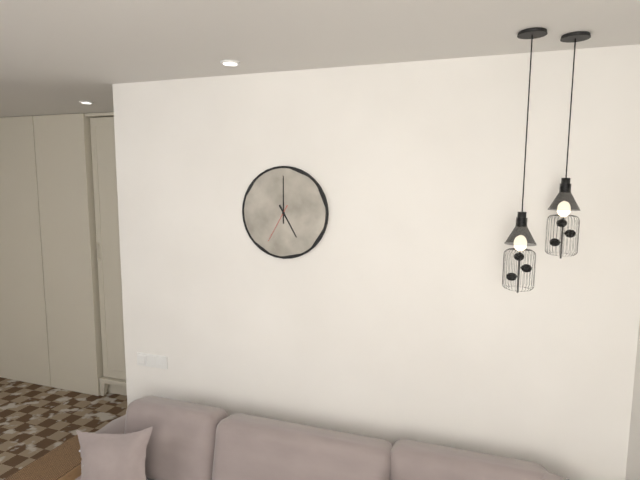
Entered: 5 h 00 min
